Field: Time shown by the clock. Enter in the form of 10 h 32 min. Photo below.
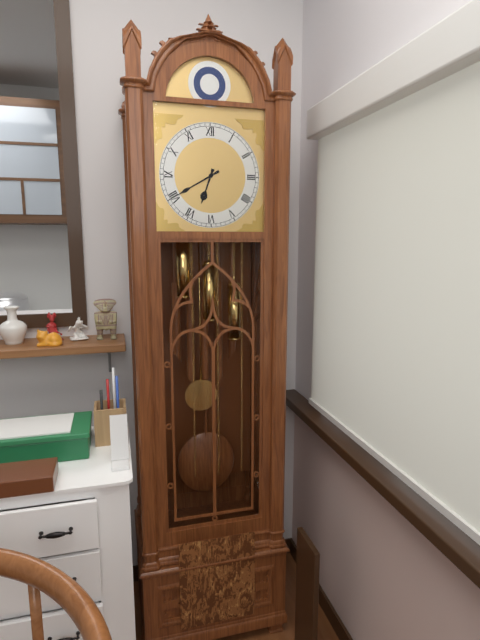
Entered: 6 h 40 min
